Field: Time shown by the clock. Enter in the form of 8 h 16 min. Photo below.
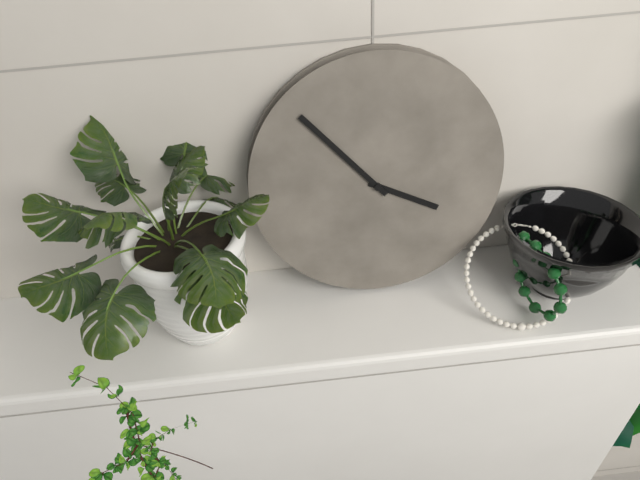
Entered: 3 h 53 min
